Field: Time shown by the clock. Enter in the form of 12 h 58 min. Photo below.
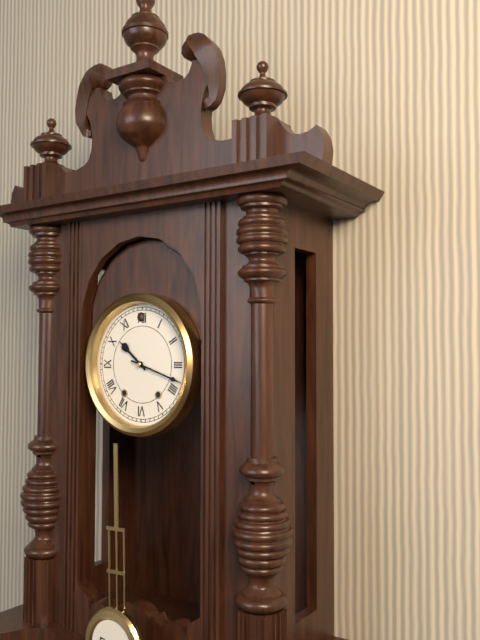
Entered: 10 h 18 min
